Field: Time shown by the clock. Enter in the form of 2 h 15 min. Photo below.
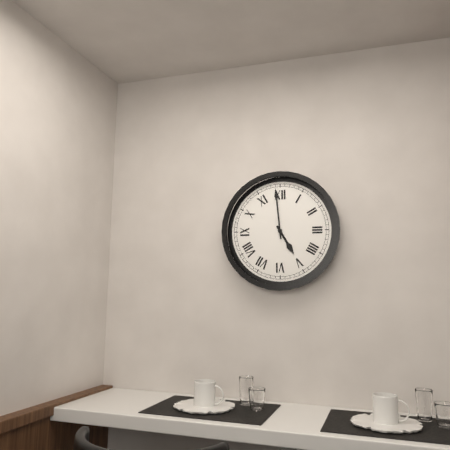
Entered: 4 h 59 min
